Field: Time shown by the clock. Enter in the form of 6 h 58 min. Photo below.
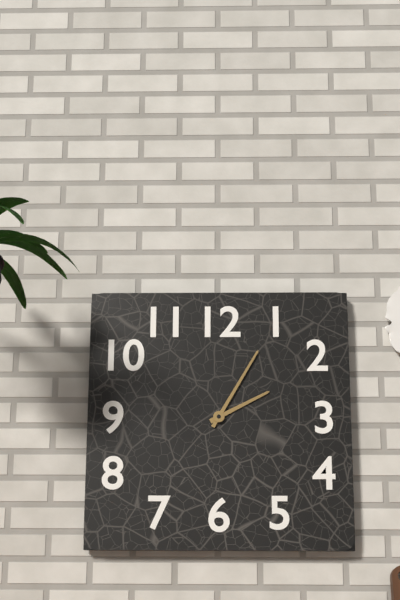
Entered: 2 h 05 min
